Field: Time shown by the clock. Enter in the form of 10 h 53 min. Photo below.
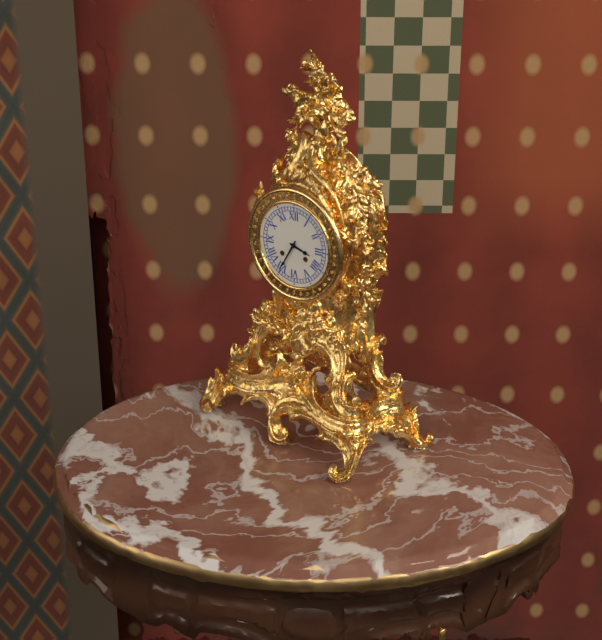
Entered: 3 h 35 min
